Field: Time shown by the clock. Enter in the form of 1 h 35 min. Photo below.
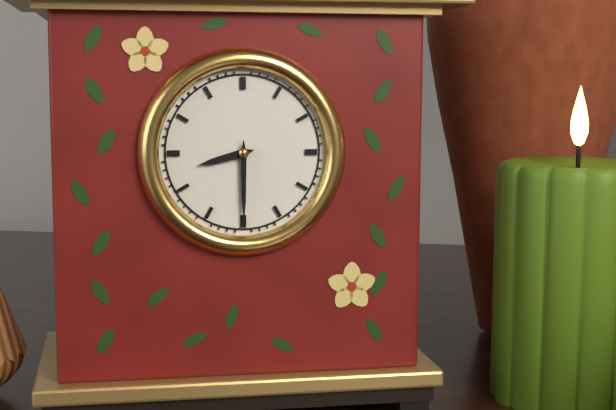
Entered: 8 h 30 min
